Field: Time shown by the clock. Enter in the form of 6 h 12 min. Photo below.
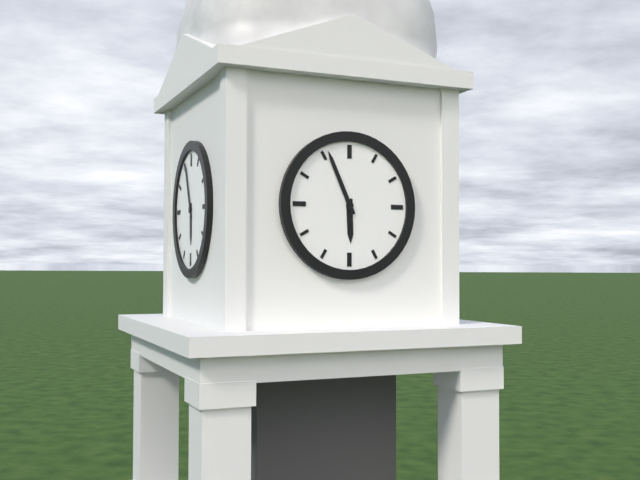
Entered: 5 h 56 min
